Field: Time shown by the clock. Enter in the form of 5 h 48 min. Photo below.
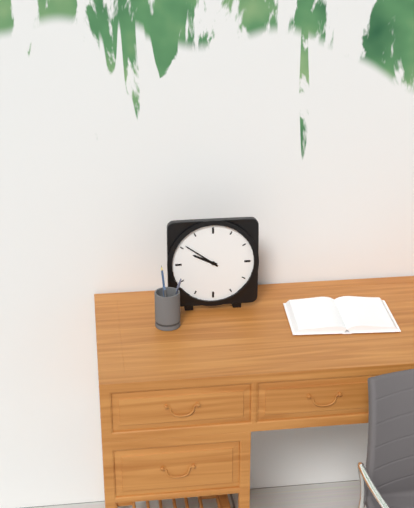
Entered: 9 h 51 min
